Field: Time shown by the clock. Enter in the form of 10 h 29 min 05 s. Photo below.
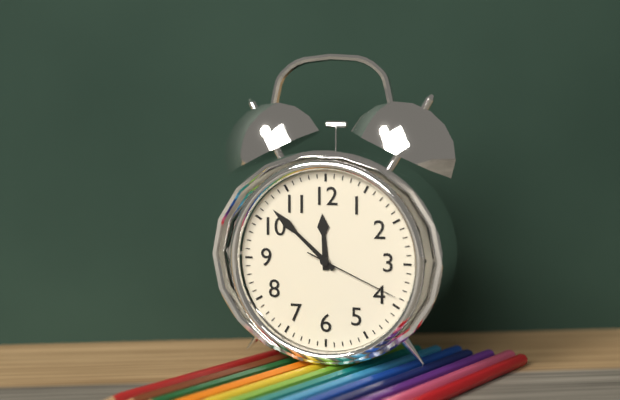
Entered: 11 h 52 min 19 s
